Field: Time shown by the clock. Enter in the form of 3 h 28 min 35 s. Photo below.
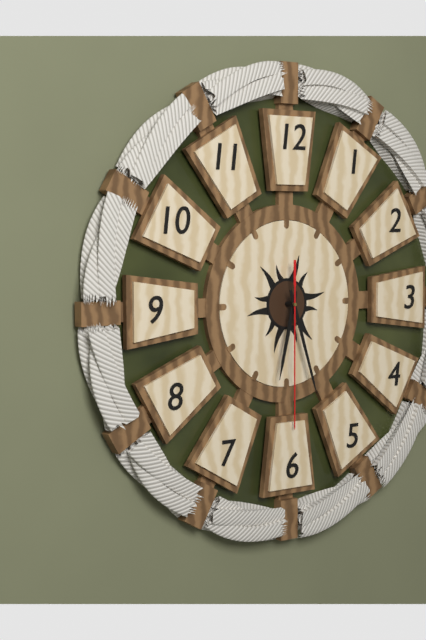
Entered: 6 h 27 min 30 s
